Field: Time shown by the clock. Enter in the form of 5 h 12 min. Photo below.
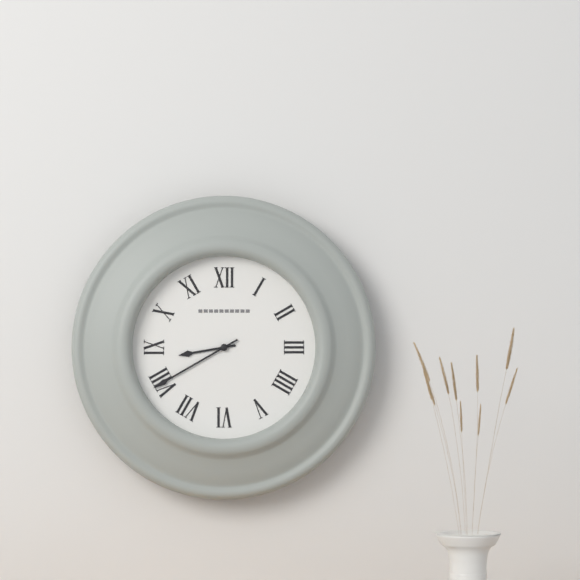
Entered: 8 h 40 min
